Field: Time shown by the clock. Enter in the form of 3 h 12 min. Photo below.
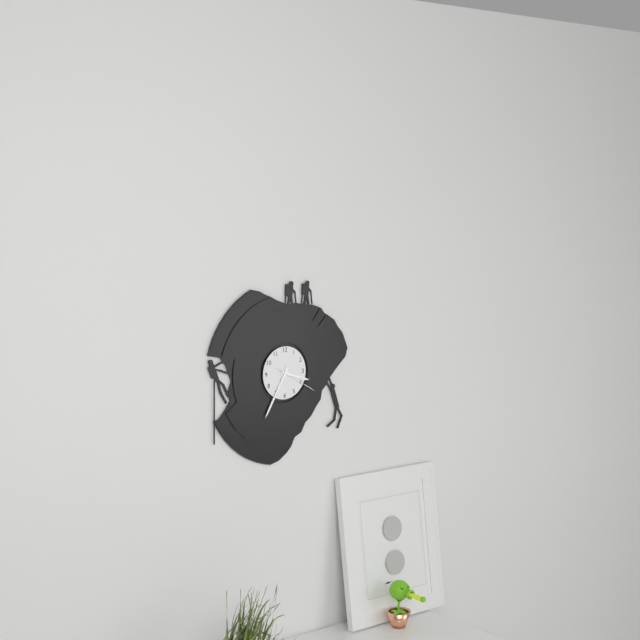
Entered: 3 h 35 min
